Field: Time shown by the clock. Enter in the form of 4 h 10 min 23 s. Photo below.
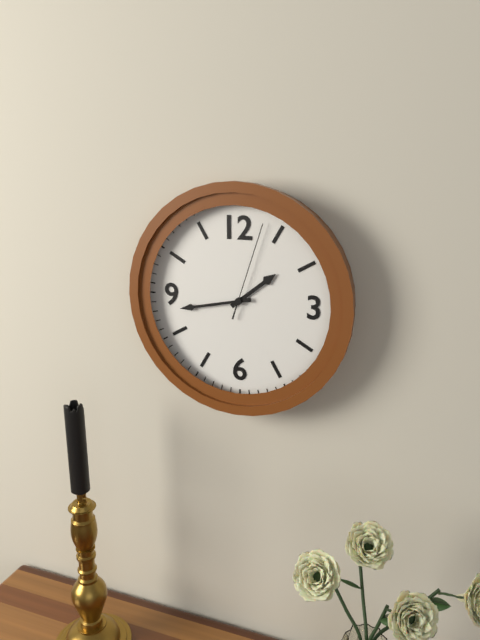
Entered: 1 h 43 min 03 s
